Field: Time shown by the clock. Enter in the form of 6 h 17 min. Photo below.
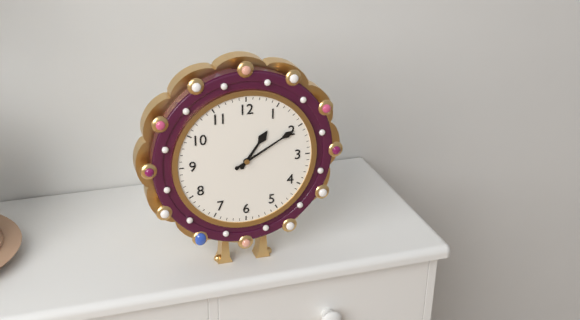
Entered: 1 h 10 min
